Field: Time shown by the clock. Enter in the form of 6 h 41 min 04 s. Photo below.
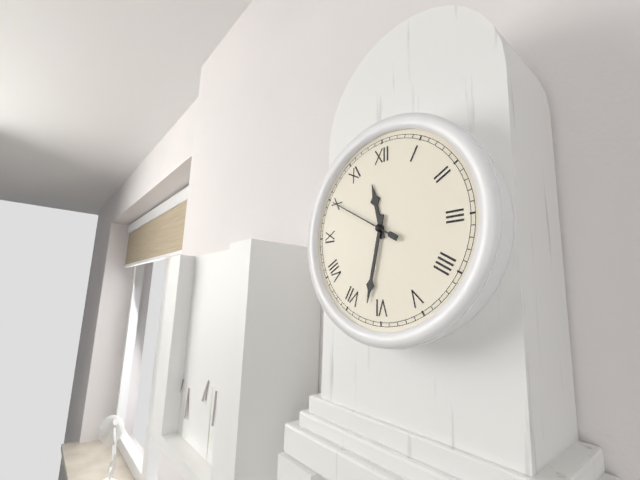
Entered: 11 h 32 min 50 s
